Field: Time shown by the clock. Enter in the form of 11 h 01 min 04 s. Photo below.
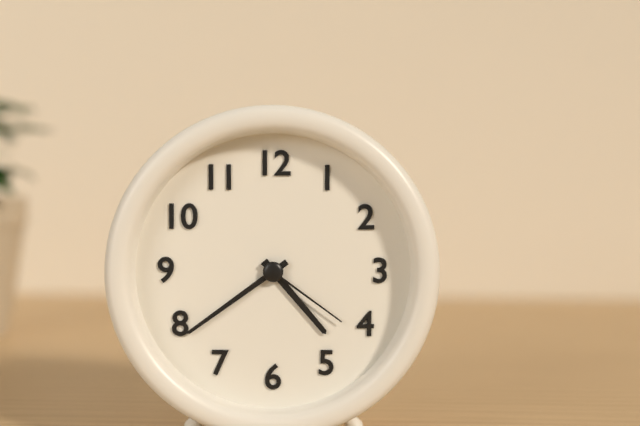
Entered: 4 h 39 min 21 s
